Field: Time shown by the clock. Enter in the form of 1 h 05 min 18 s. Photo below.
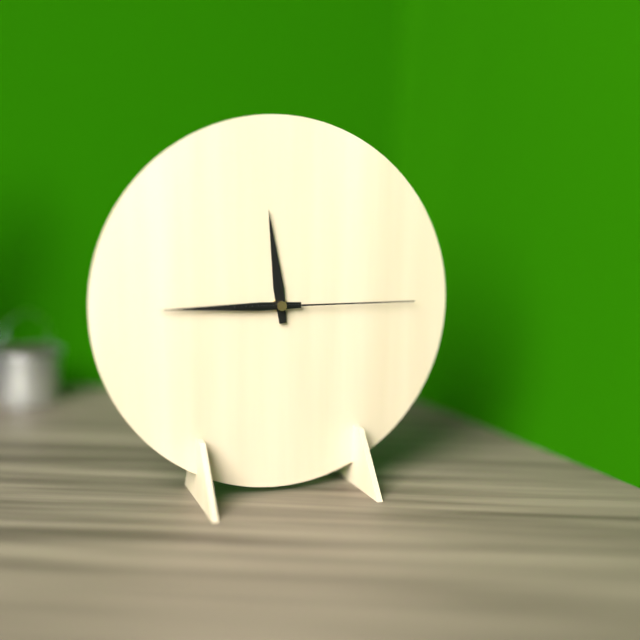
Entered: 11 h 45 min 15 s
